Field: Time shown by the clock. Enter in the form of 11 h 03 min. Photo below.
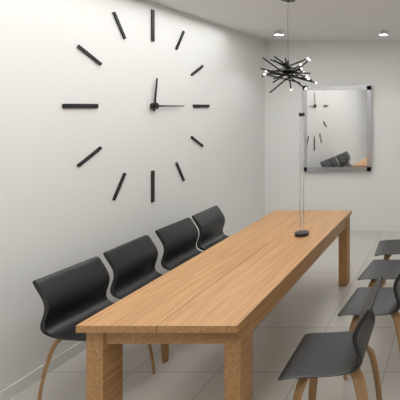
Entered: 12 h 15 min
